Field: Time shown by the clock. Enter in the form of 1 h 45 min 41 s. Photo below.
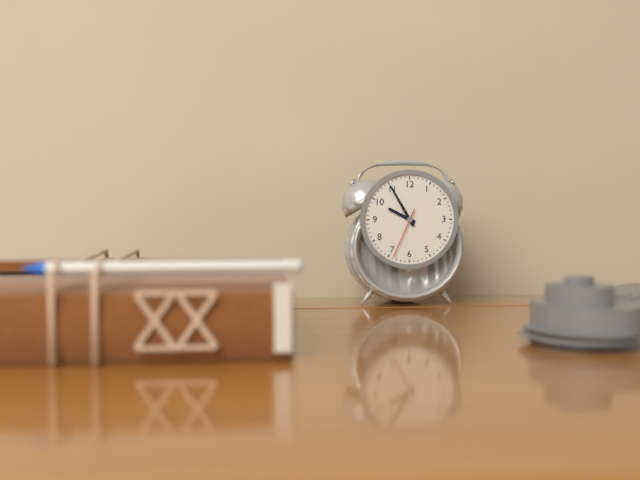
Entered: 9 h 55 min 34 s
